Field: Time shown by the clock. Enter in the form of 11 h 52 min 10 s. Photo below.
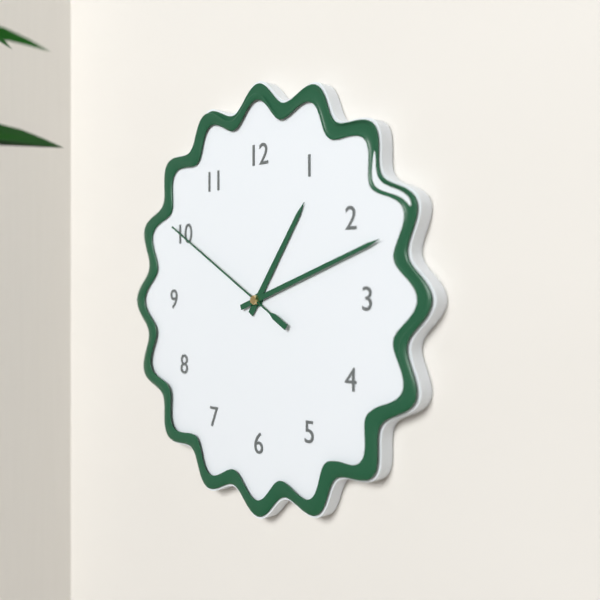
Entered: 1 h 12 min 50 s
